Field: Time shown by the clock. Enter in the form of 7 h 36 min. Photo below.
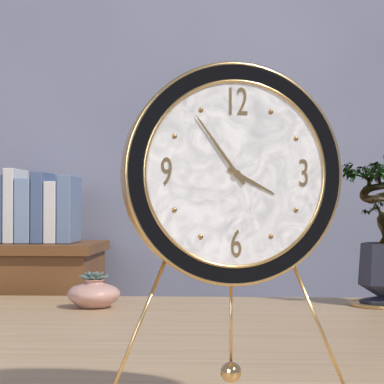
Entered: 3 h 54 min
